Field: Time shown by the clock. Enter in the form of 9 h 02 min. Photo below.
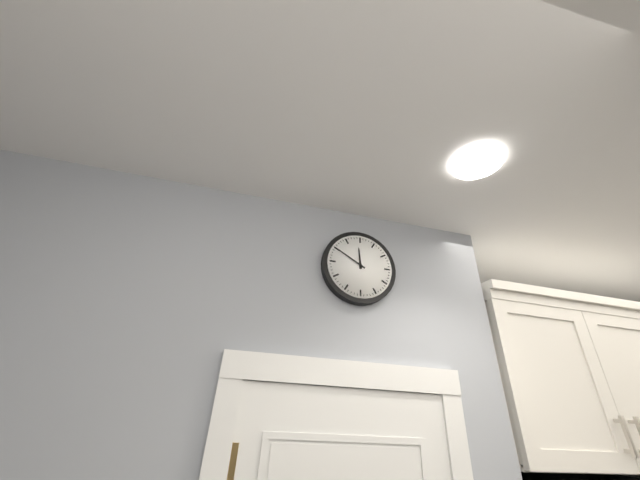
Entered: 11 h 50 min
